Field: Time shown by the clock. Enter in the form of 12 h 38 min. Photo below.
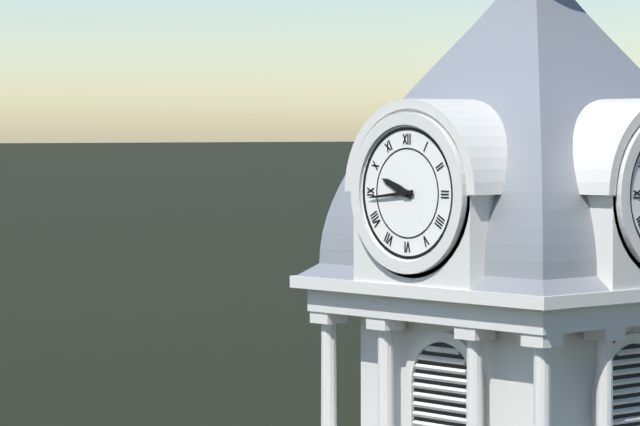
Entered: 9 h 44 min
